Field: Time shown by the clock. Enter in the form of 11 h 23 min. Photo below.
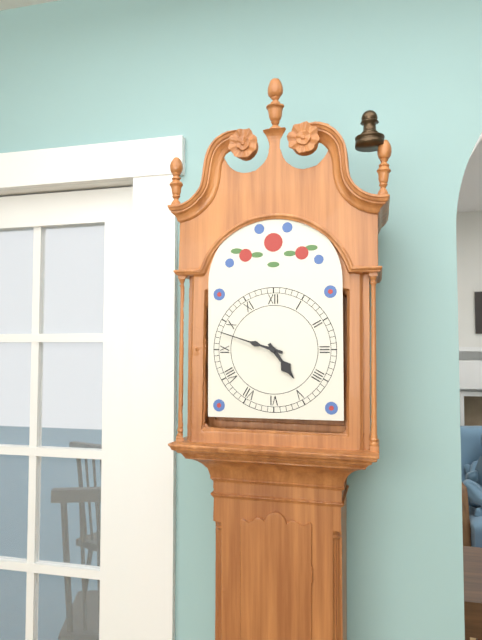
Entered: 4 h 48 min
